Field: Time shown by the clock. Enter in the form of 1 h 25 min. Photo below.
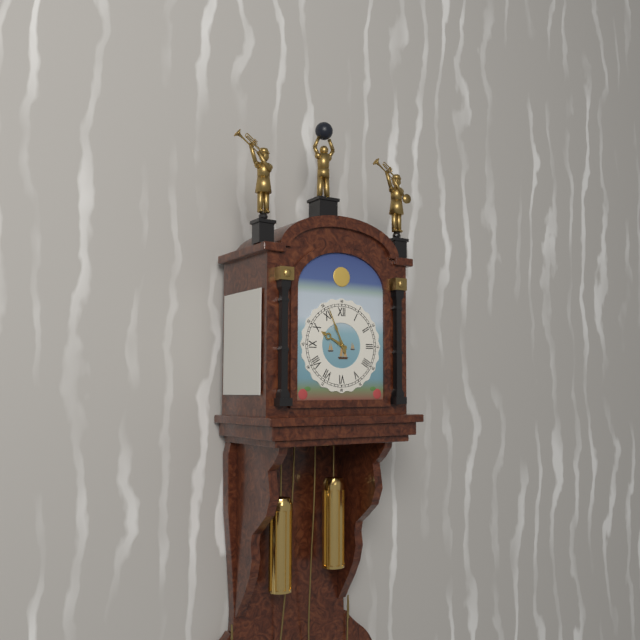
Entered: 9 h 56 min
